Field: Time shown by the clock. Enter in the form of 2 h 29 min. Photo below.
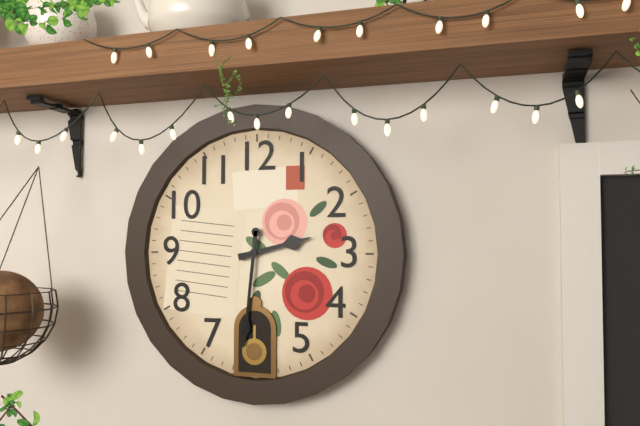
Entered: 2 h 31 min
